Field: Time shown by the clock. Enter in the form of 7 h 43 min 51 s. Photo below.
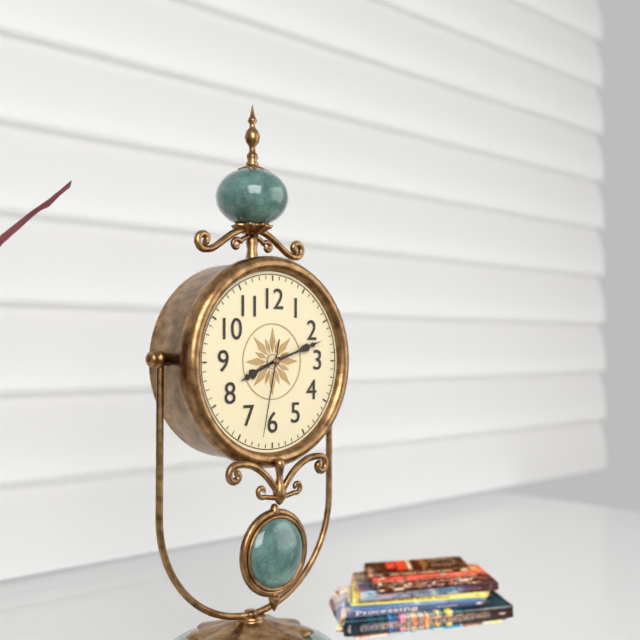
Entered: 8 h 12 min 32 s
